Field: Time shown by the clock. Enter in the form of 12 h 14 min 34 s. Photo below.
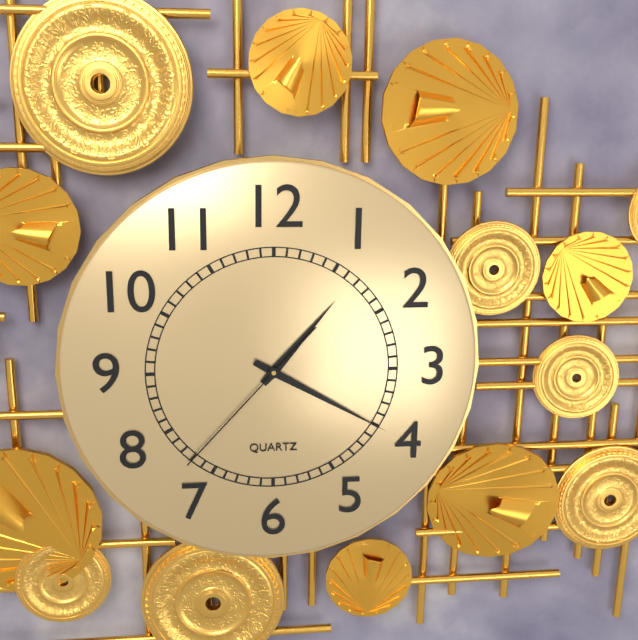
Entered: 1 h 20 min 37 s
